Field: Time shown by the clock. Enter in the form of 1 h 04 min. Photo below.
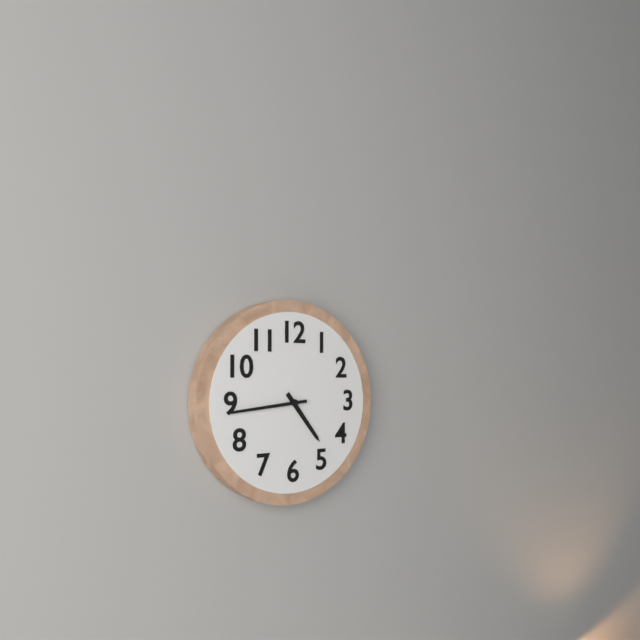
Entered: 4 h 44 min
